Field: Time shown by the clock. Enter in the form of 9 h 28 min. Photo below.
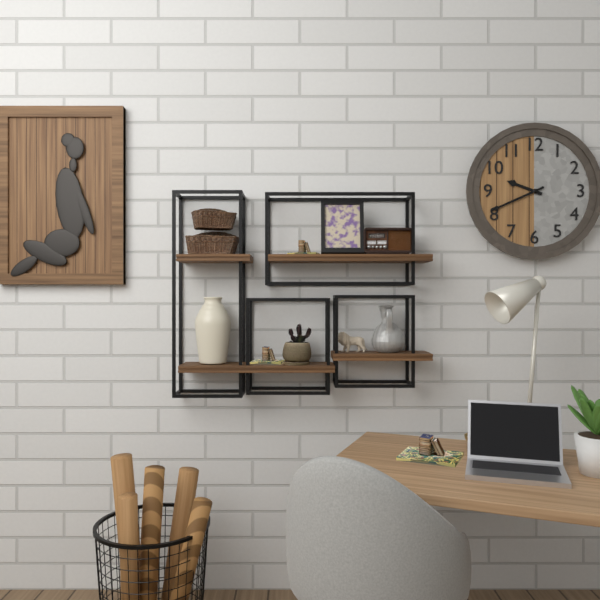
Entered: 9 h 41 min
